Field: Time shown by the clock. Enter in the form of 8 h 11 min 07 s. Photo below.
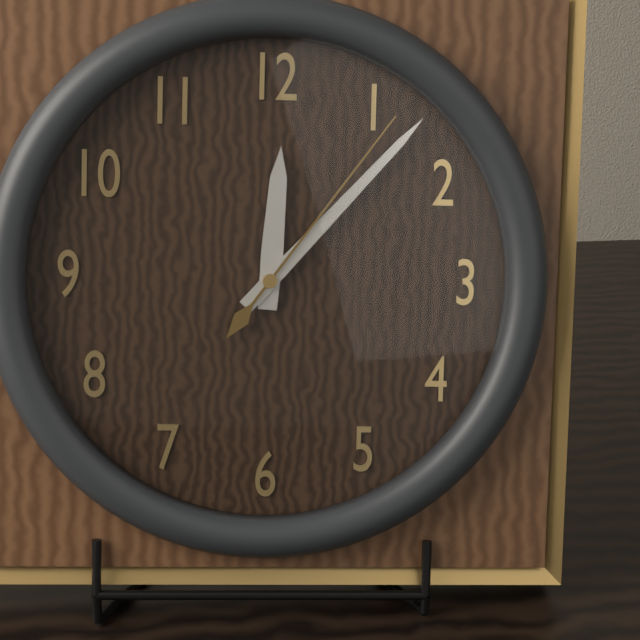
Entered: 12 h 07 min 06 s
